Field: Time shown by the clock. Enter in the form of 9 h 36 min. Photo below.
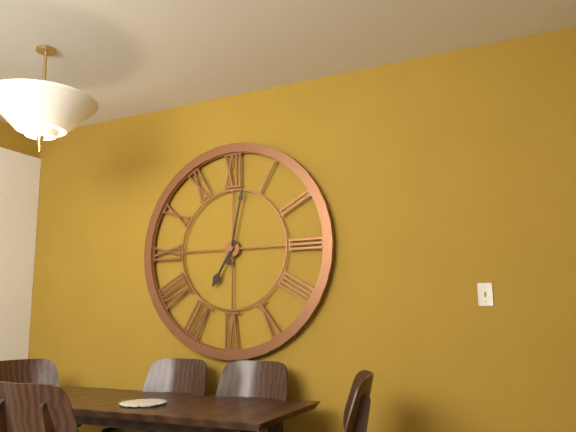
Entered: 7 h 02 min
